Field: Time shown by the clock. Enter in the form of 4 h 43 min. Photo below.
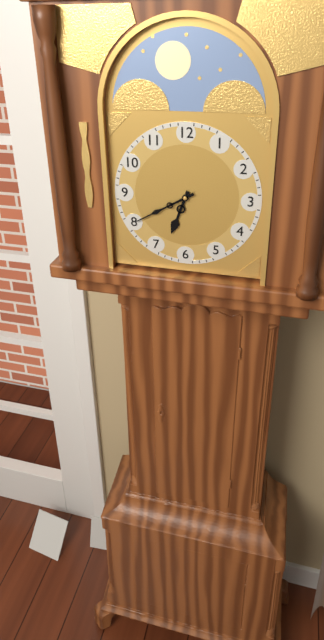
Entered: 6 h 40 min
